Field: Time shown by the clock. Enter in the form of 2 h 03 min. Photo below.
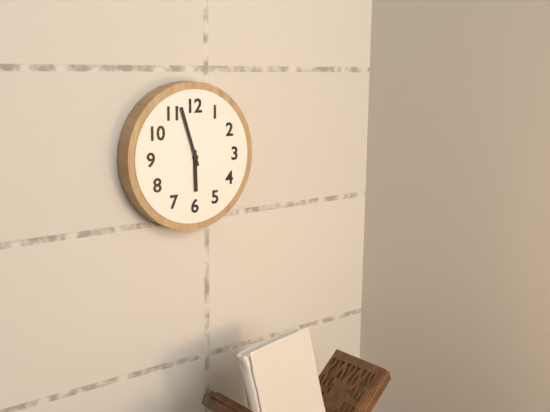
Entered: 5 h 57 min
